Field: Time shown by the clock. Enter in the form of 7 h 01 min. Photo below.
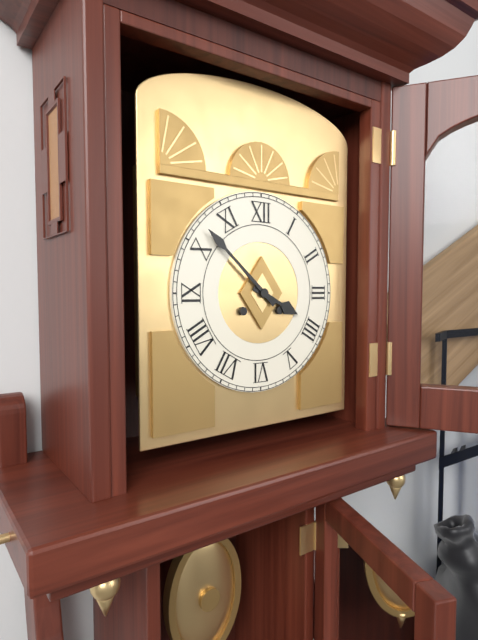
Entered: 3 h 52 min
